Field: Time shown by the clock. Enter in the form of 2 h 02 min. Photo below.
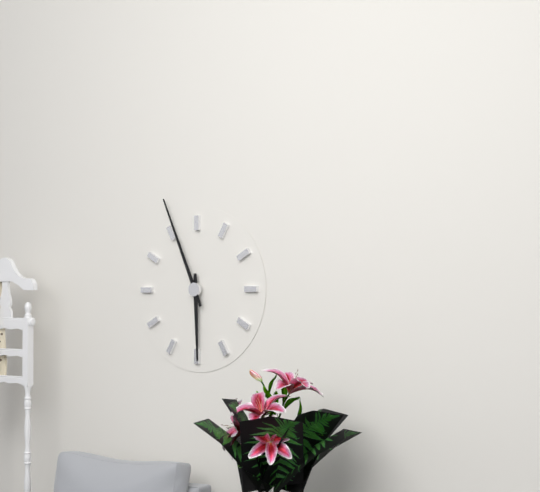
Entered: 5 h 56 min
